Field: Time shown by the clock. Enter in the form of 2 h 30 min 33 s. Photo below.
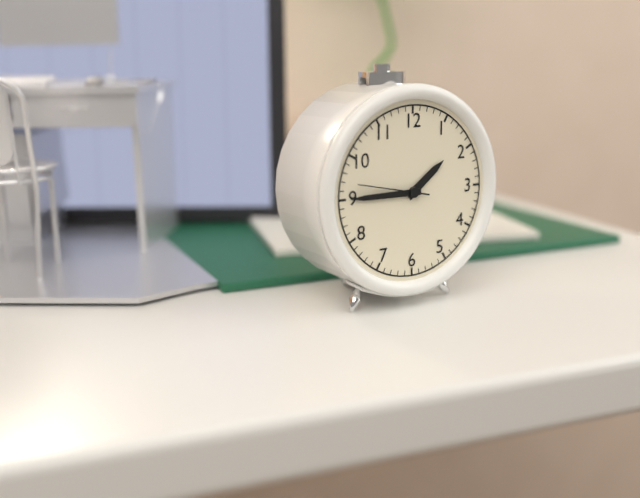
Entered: 1 h 45 min 47 s
